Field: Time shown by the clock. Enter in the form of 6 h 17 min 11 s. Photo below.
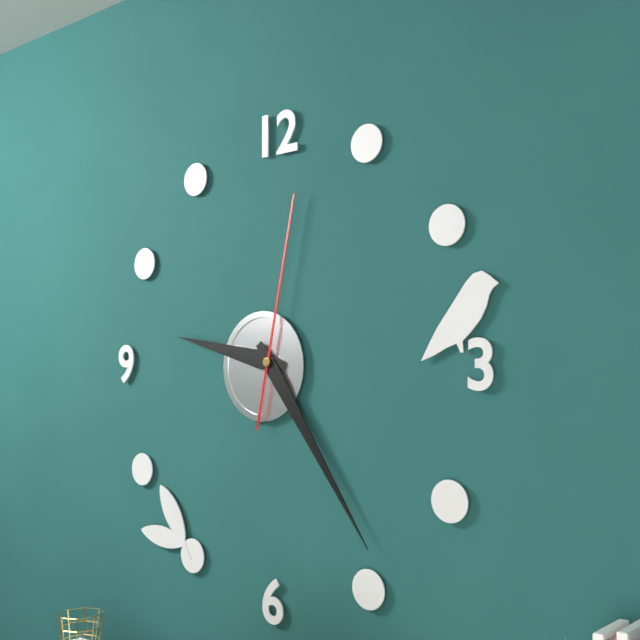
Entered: 9 h 24 min 02 s
